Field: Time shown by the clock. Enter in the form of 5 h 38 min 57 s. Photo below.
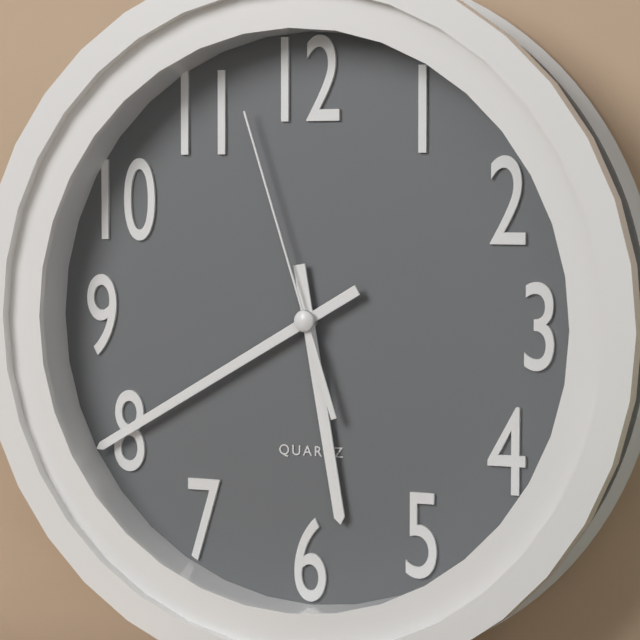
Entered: 5 h 40 min 57 s
